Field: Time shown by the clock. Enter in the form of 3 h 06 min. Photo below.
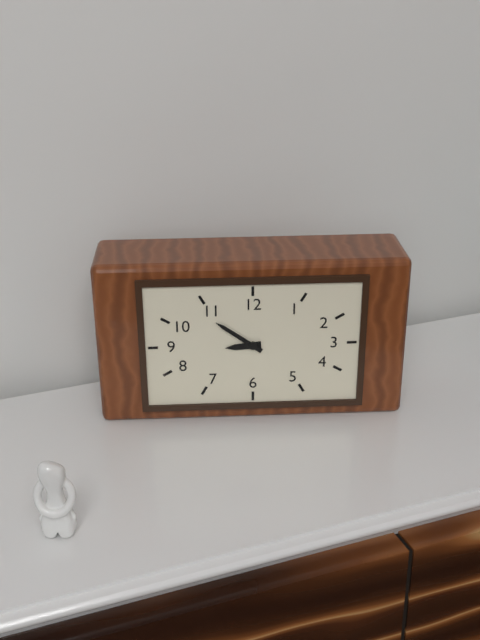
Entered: 8 h 51 min
